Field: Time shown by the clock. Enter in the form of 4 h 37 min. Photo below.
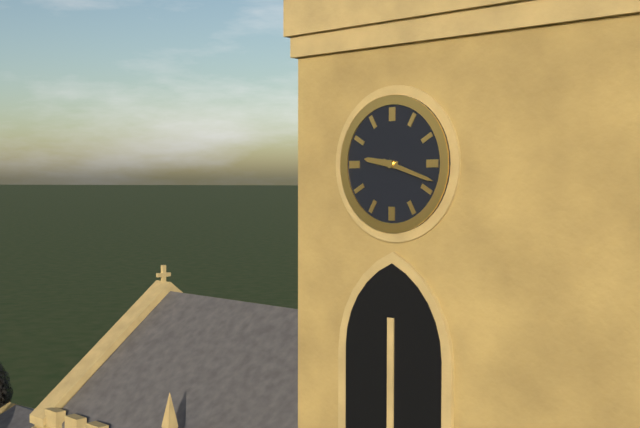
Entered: 9 h 18 min
